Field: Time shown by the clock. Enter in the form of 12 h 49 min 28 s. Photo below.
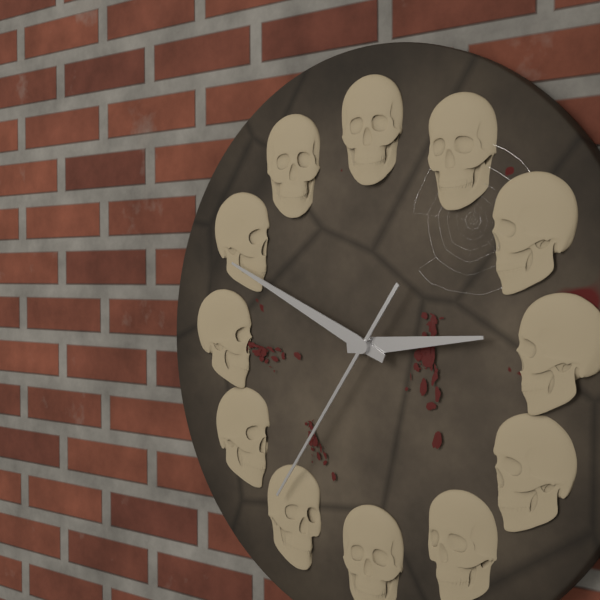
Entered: 2 h 49 min 36 s
